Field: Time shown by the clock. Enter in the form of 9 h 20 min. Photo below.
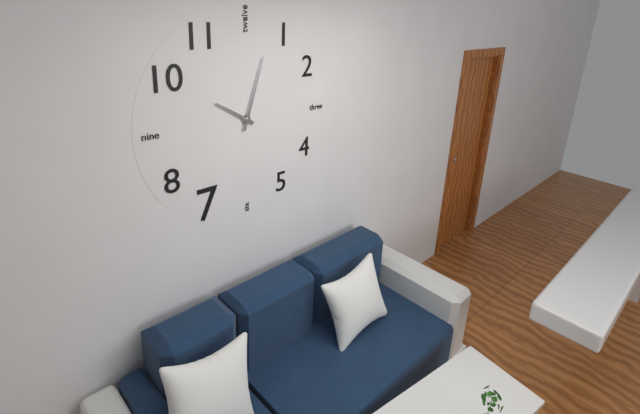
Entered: 10 h 03 min
